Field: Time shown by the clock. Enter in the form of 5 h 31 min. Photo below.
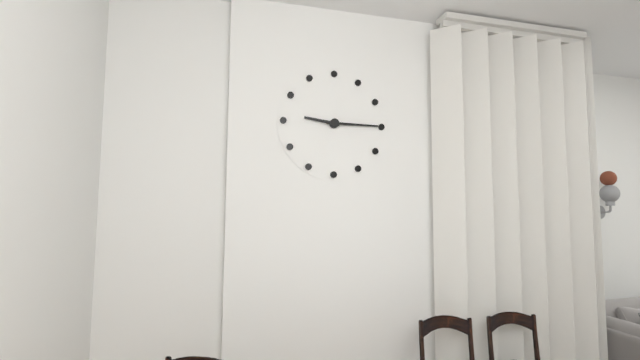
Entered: 9 h 15 min
